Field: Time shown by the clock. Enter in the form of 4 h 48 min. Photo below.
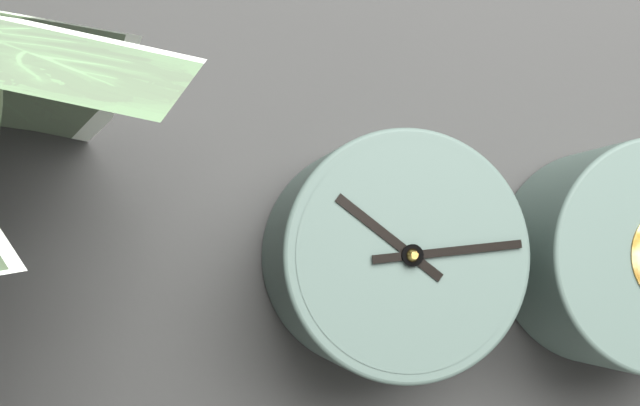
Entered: 10 h 14 min
